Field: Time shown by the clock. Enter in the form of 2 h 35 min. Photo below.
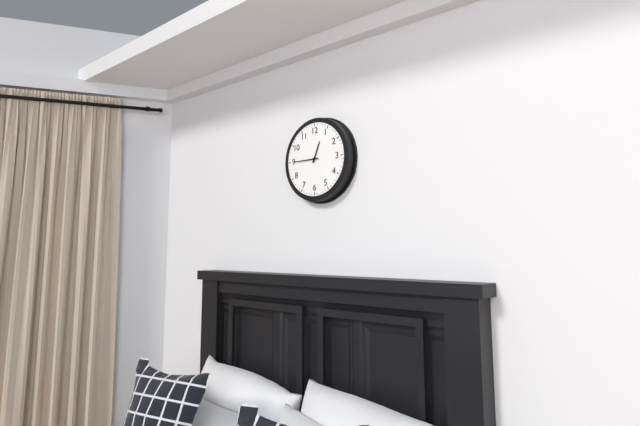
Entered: 12 h 45 min
